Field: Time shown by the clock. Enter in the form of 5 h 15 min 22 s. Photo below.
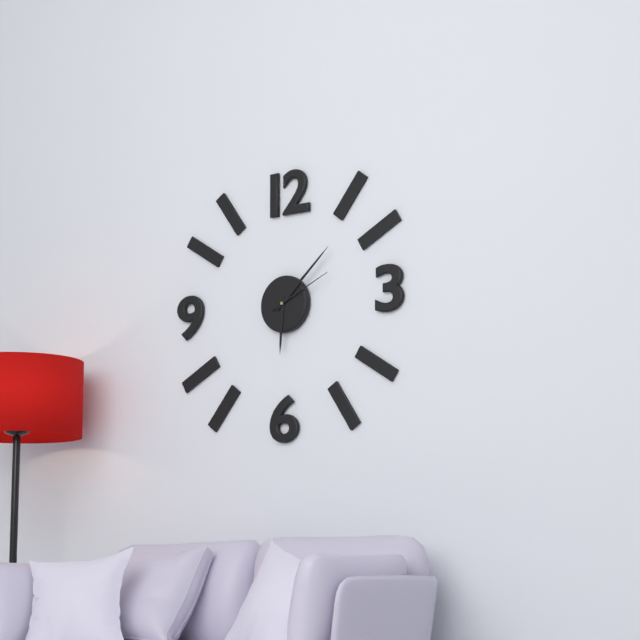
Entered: 6 h 08 min 11 s
